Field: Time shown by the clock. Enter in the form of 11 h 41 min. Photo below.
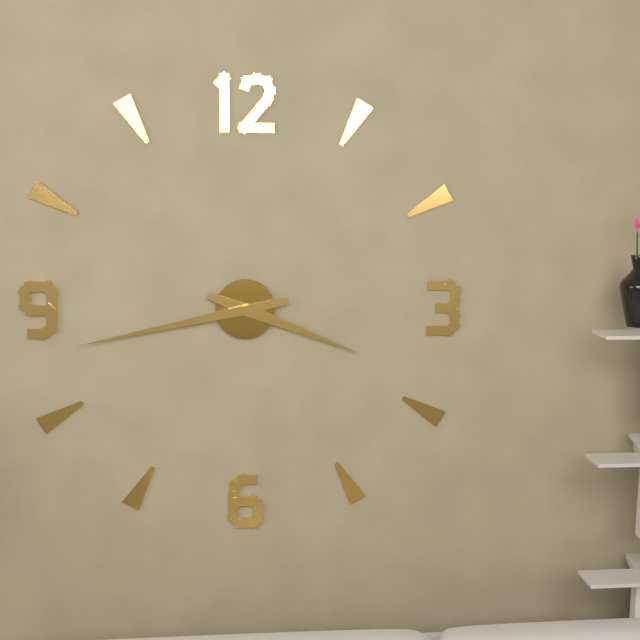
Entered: 3 h 43 min
